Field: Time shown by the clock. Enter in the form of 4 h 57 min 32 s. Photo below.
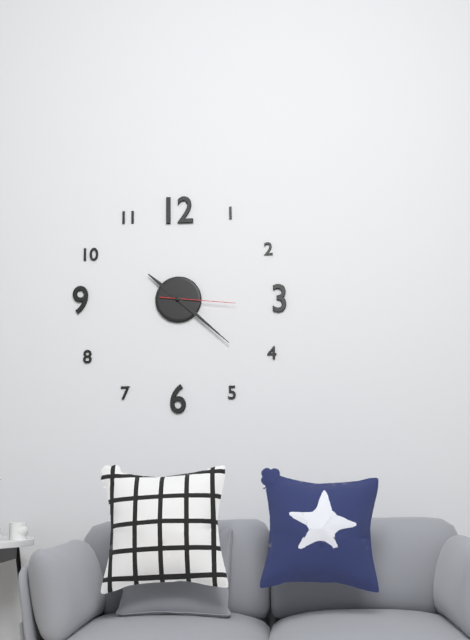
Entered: 10 h 22 min 16 s
